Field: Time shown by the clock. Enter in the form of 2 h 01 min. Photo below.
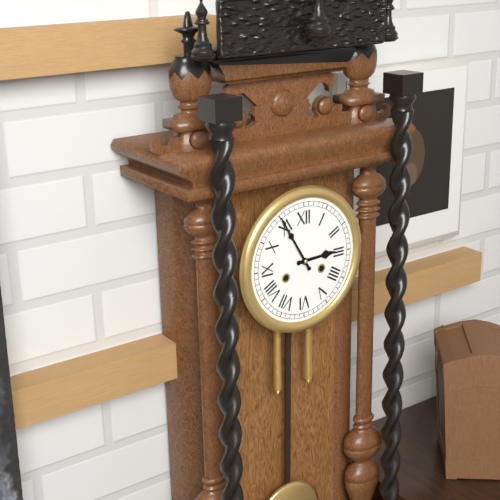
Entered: 2 h 55 min
